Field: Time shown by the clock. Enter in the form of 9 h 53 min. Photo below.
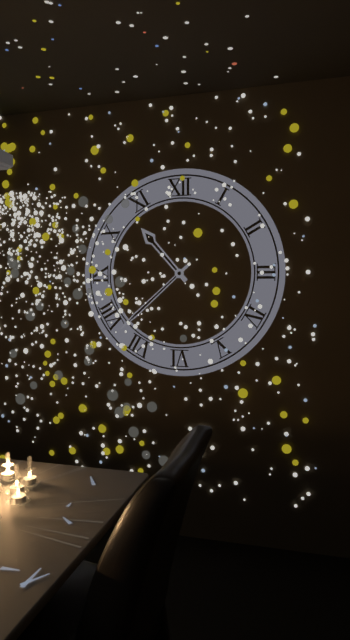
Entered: 10 h 38 min
